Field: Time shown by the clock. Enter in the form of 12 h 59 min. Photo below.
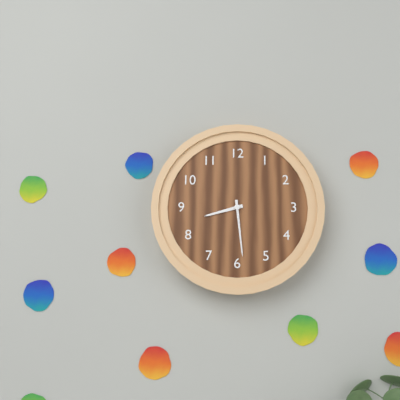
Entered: 8 h 29 min
